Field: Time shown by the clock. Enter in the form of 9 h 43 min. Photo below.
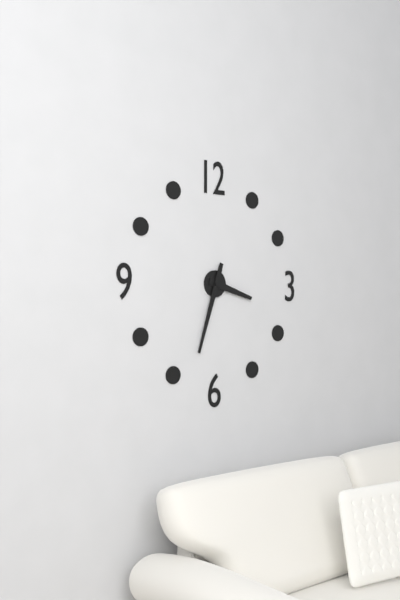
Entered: 3 h 33 min
